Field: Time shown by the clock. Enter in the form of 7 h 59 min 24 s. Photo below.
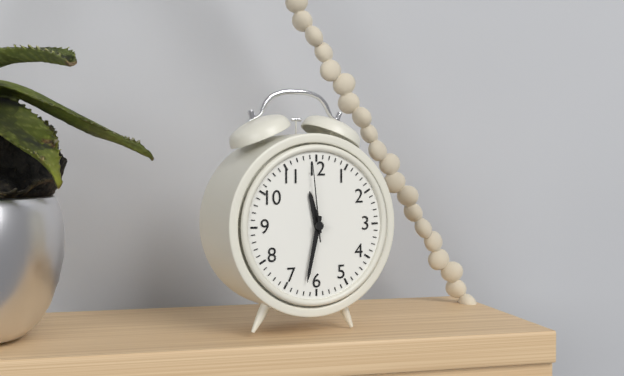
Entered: 11 h 32 min 59 s
